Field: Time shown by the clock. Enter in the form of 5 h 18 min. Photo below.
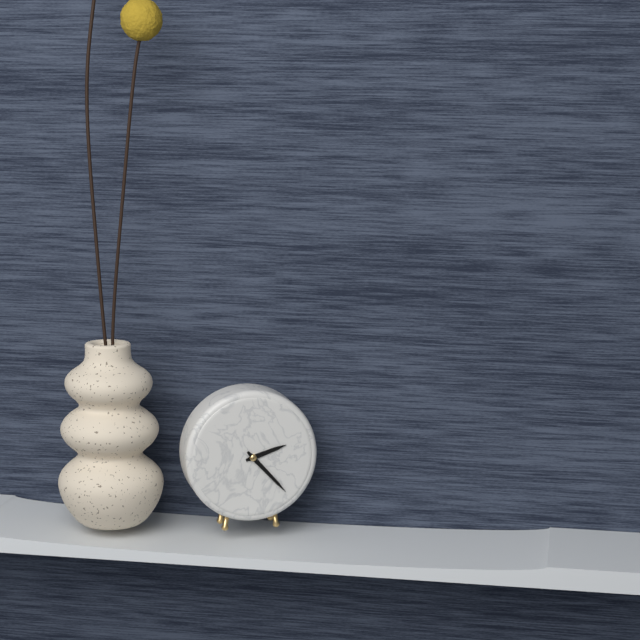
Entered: 2 h 23 min
